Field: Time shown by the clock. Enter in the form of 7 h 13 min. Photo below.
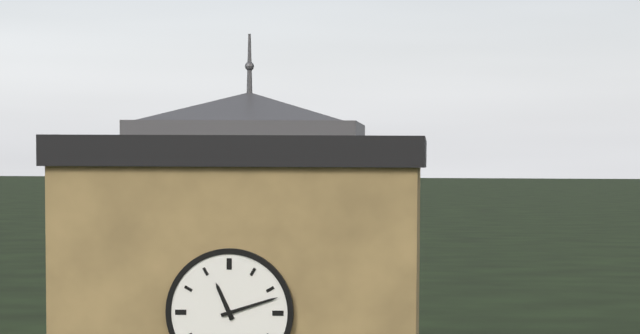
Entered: 11 h 12 min
